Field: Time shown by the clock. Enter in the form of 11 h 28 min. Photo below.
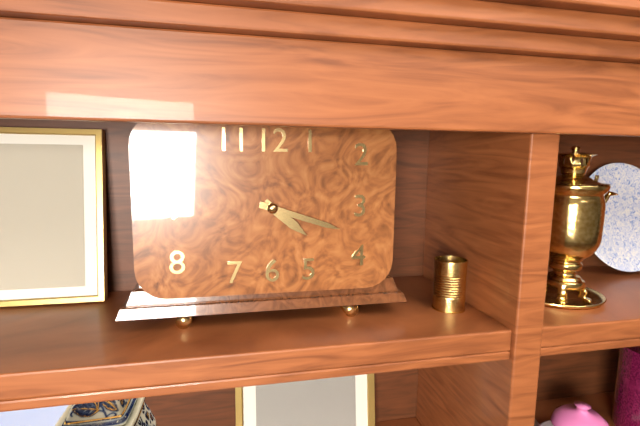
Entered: 4 h 18 min
